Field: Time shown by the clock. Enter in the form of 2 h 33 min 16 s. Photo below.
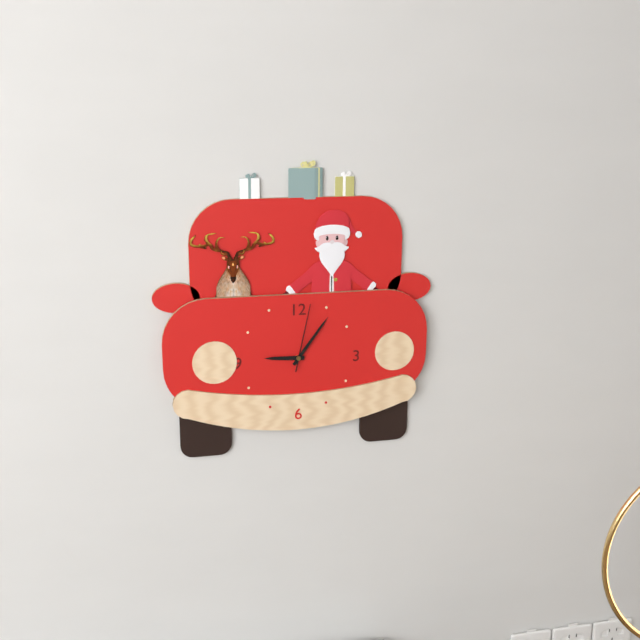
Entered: 9 h 06 min 02 s
